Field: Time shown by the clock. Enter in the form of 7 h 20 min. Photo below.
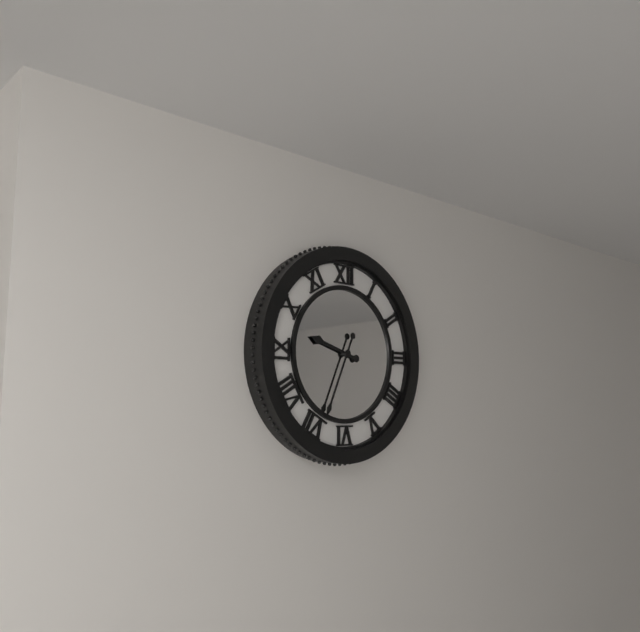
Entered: 9 h 34 min
